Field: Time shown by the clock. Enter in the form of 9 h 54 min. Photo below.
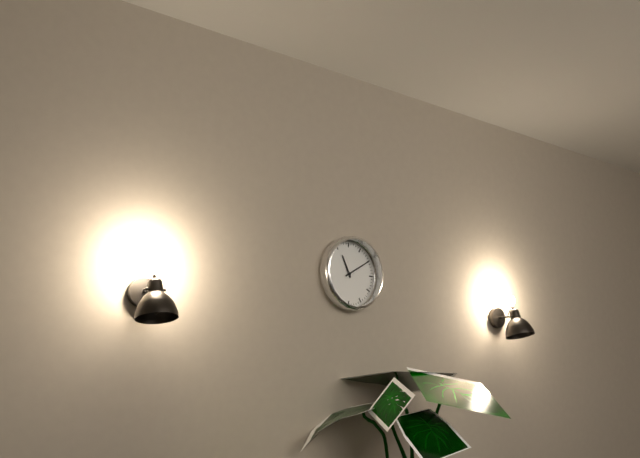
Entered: 11 h 10 min
